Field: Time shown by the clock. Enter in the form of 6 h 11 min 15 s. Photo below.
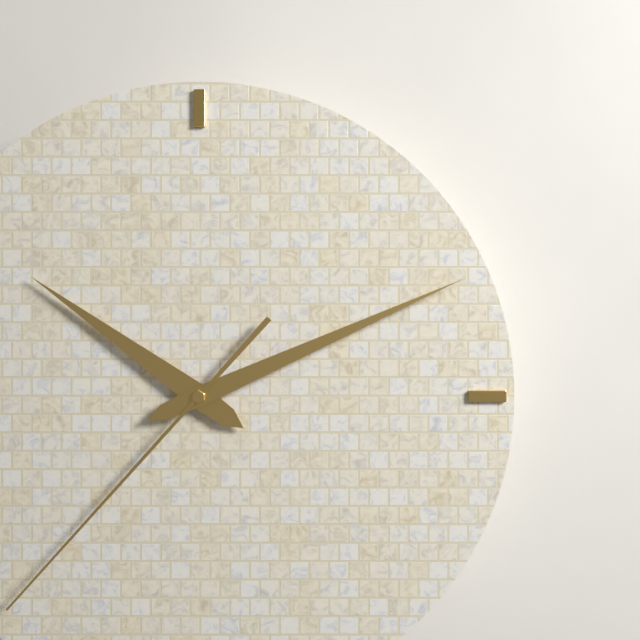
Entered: 10 h 11 min 37 s
